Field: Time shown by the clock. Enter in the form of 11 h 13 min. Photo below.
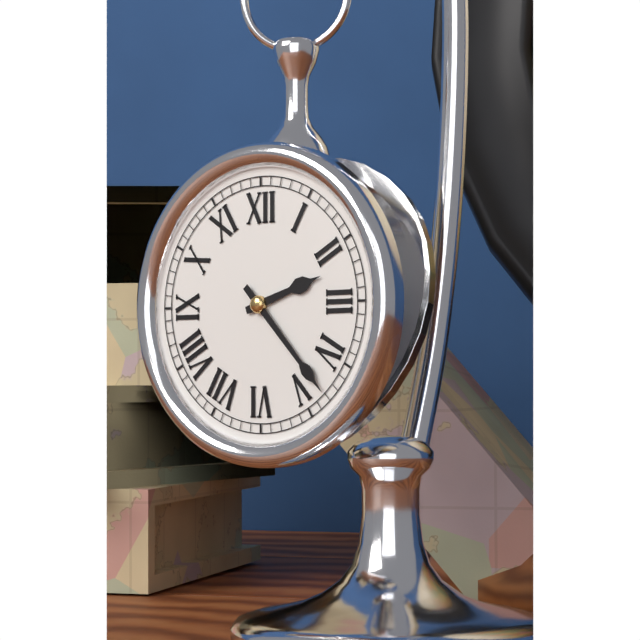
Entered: 2 h 23 min
